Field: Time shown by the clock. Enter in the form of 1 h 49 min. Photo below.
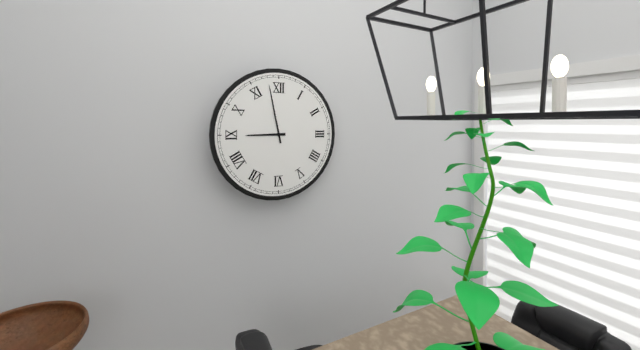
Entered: 8 h 58 min
